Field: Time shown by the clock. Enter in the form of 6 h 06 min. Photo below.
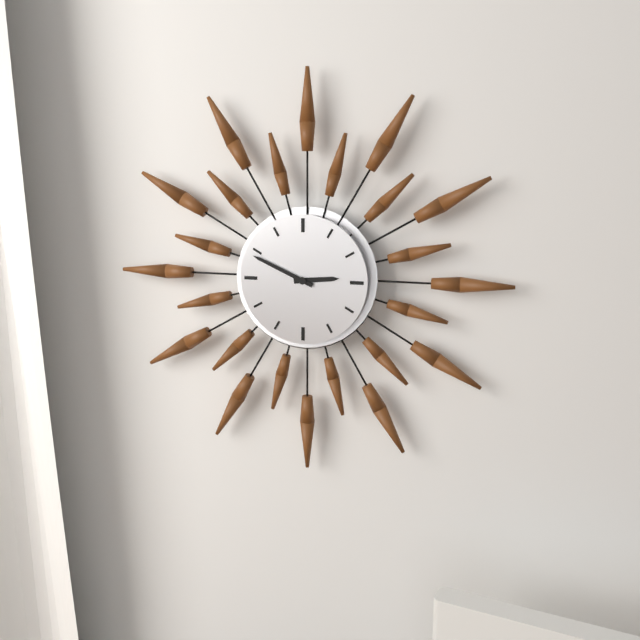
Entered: 2 h 49 min
